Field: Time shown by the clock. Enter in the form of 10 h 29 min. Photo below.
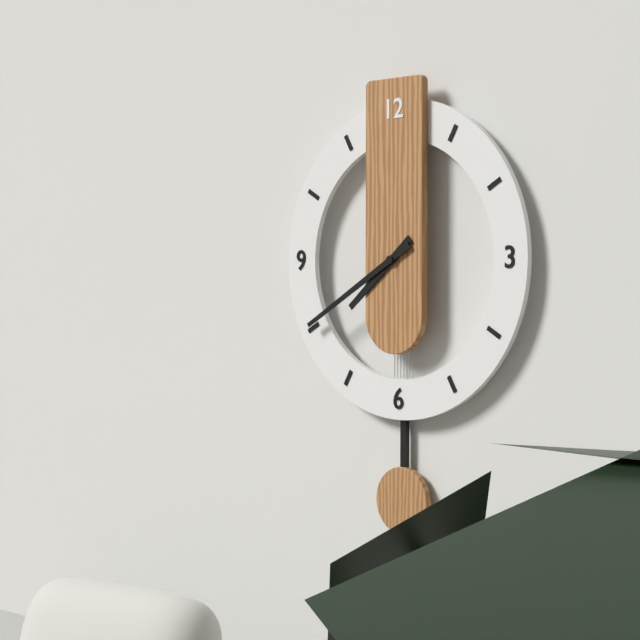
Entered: 7 h 40 min
